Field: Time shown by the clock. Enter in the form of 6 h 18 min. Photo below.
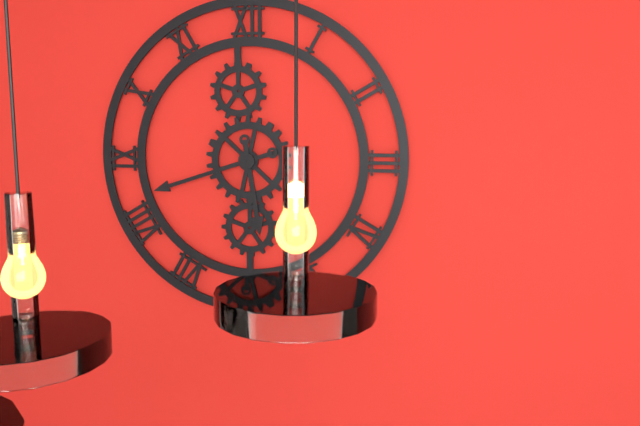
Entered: 5 h 42 min
